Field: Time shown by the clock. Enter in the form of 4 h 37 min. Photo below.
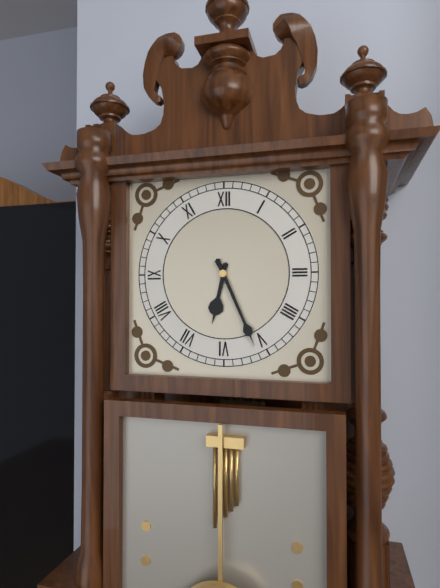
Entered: 6 h 26 min
